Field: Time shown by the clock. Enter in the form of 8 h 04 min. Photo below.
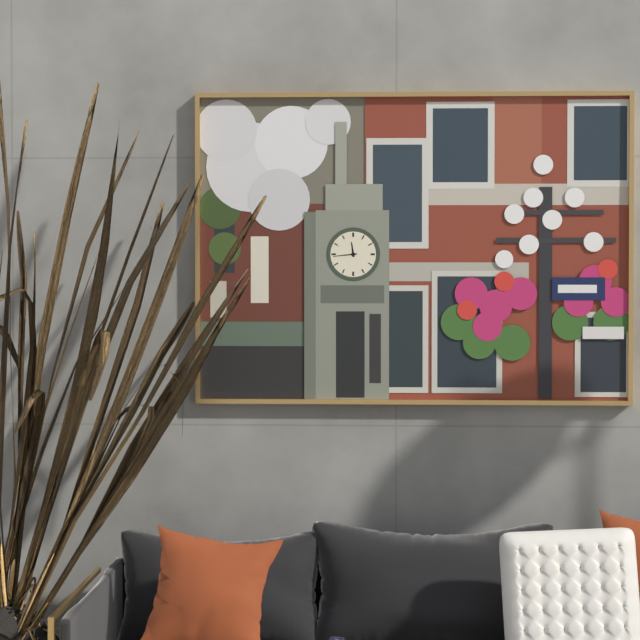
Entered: 11 h 44 min
